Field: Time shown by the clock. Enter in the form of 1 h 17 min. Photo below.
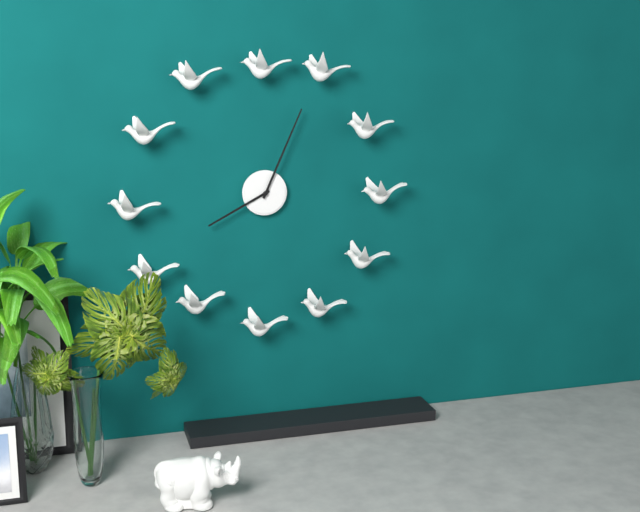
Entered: 8 h 04 min
